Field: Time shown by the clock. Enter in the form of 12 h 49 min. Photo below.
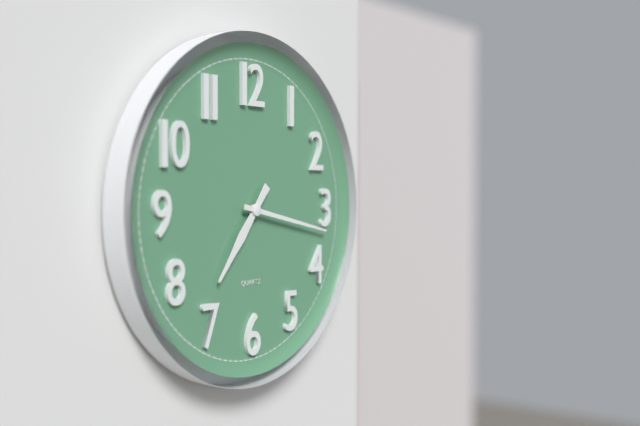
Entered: 7 h 17 min
